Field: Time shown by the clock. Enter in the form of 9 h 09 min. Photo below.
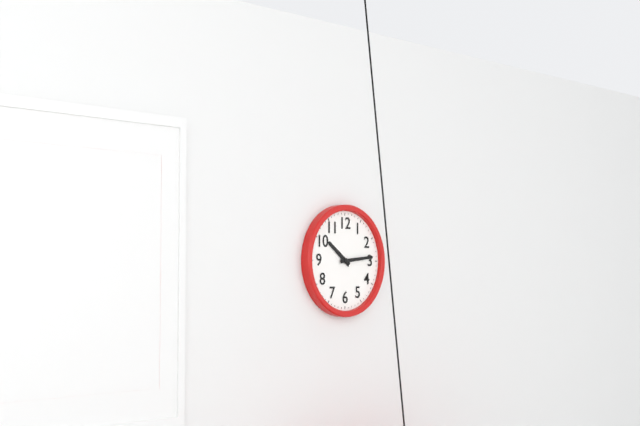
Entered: 10 h 14 min
